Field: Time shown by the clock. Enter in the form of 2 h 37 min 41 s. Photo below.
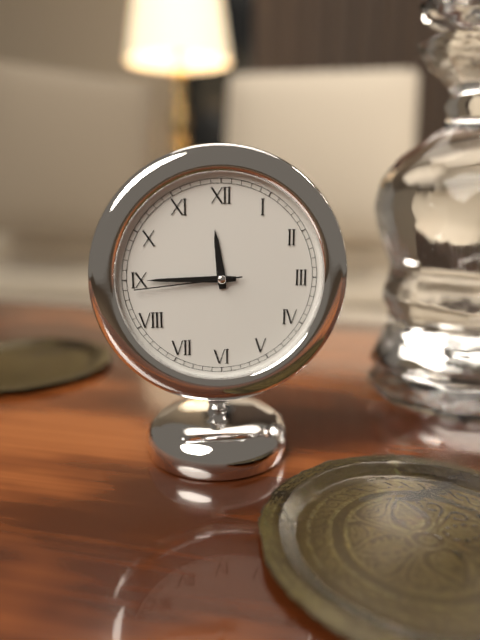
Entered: 11 h 45 min 44 s
